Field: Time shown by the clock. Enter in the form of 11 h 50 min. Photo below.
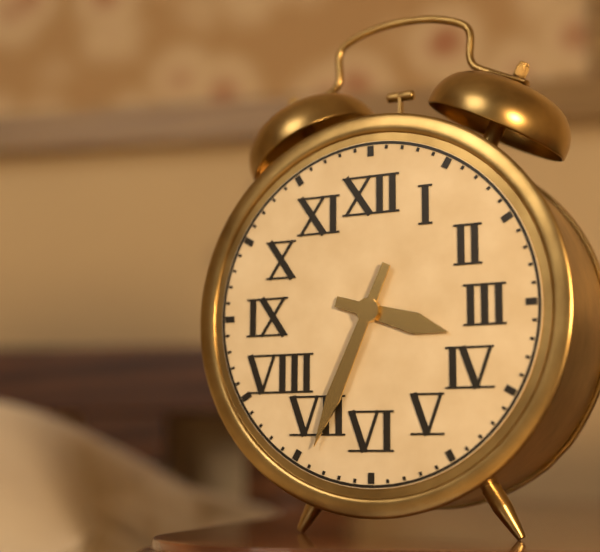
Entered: 3 h 34 min
